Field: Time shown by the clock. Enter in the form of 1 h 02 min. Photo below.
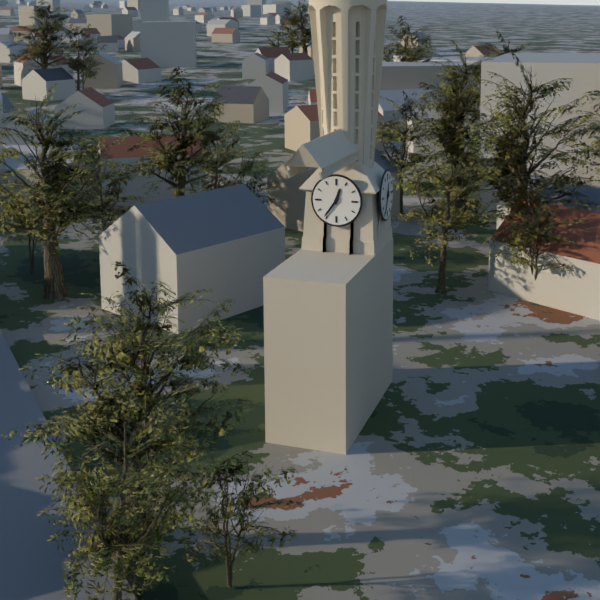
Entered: 12 h 36 min
